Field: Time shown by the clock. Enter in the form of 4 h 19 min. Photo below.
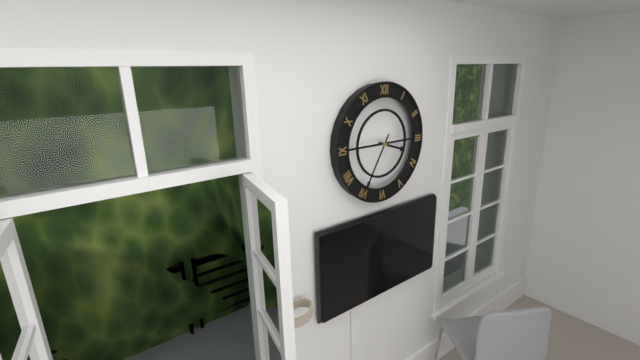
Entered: 3 h 35 min
